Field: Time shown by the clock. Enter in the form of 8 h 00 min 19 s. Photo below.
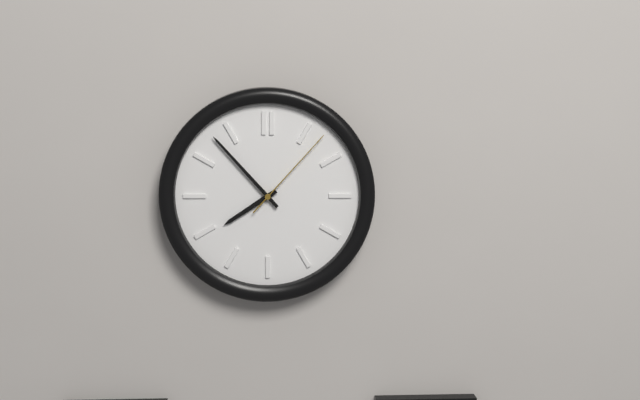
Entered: 7 h 53 min 07 s
